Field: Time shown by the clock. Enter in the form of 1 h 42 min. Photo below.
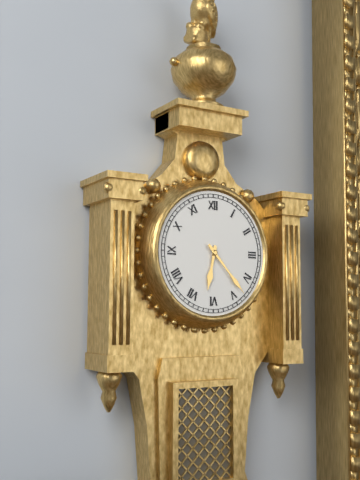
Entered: 6 h 23 min
